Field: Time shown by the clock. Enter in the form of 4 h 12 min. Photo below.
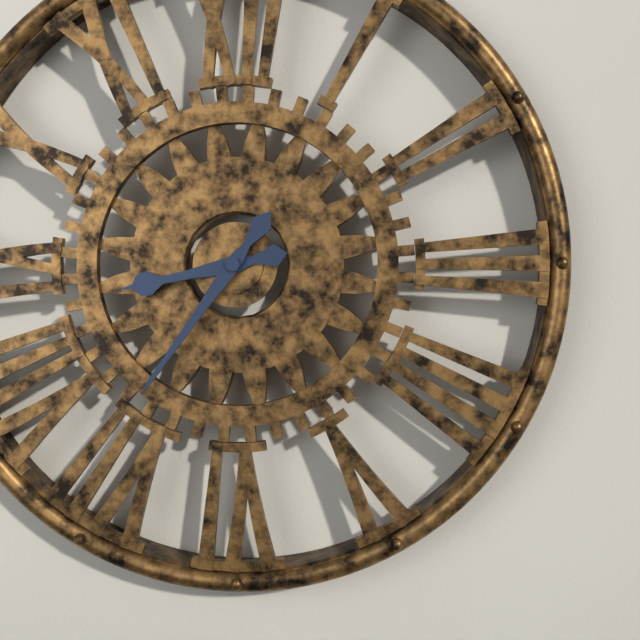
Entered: 8 h 36 min
